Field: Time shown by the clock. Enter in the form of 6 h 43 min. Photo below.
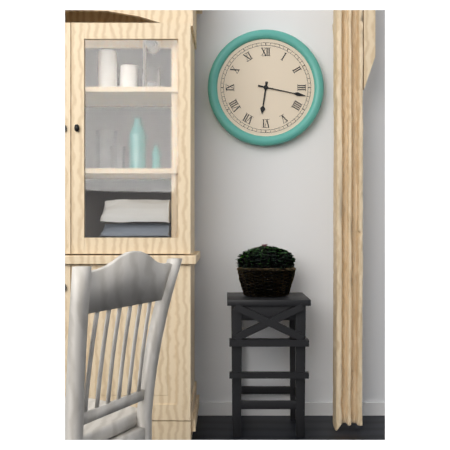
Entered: 6 h 17 min
